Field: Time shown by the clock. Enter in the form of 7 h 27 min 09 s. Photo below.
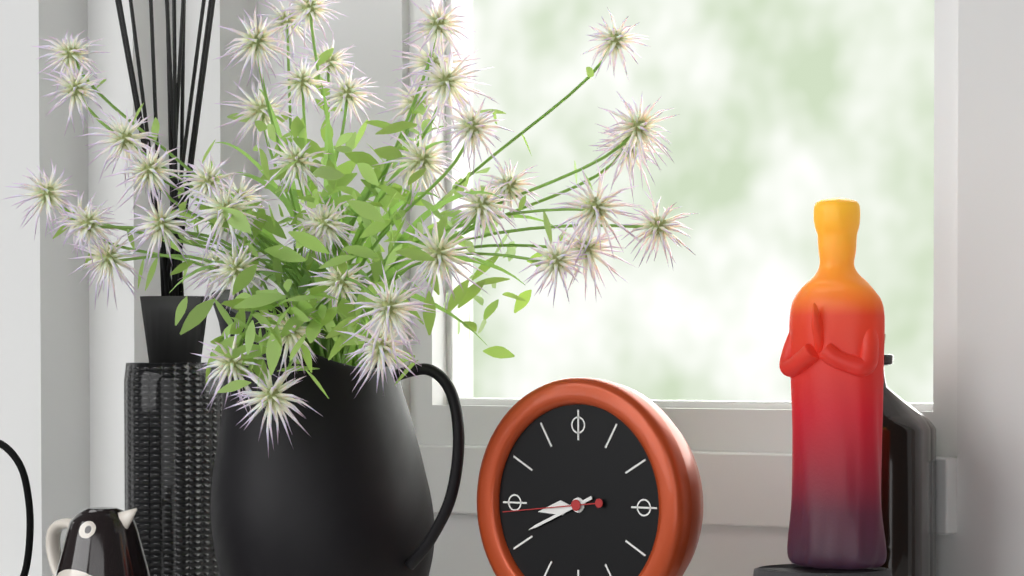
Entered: 8 h 41 min 44 s
